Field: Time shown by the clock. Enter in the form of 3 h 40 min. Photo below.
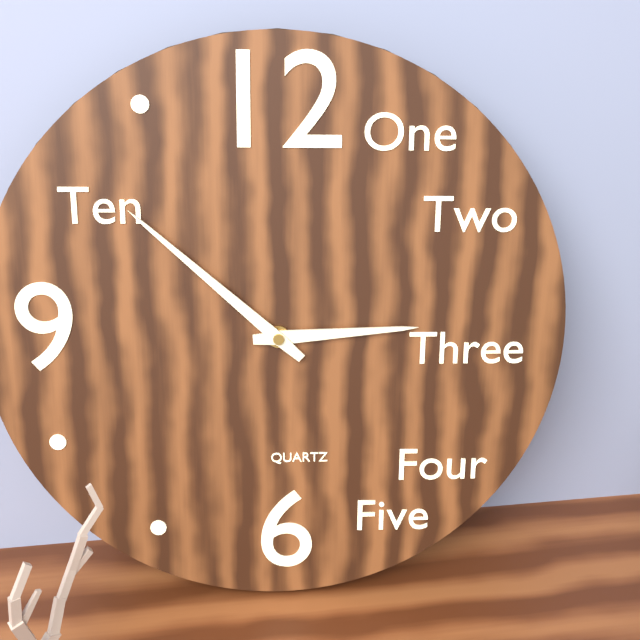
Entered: 2 h 52 min
